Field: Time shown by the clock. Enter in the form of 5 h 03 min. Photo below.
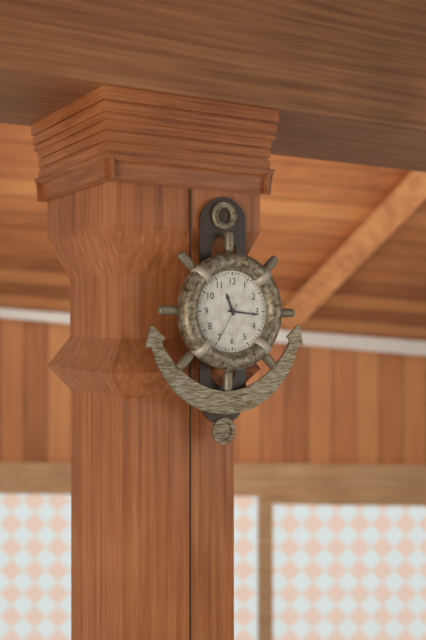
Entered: 11 h 16 min
